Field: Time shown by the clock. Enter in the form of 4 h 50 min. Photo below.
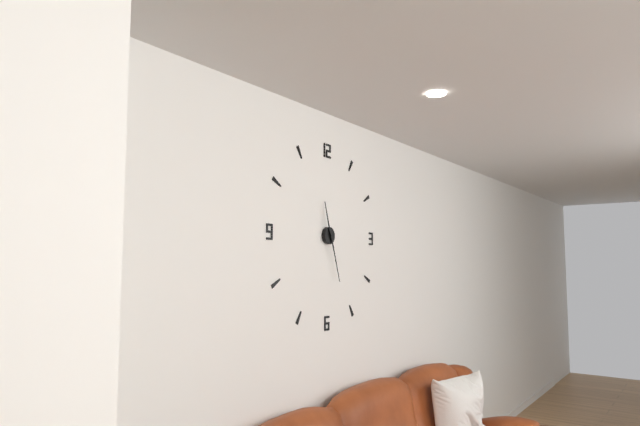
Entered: 11 h 27 min
